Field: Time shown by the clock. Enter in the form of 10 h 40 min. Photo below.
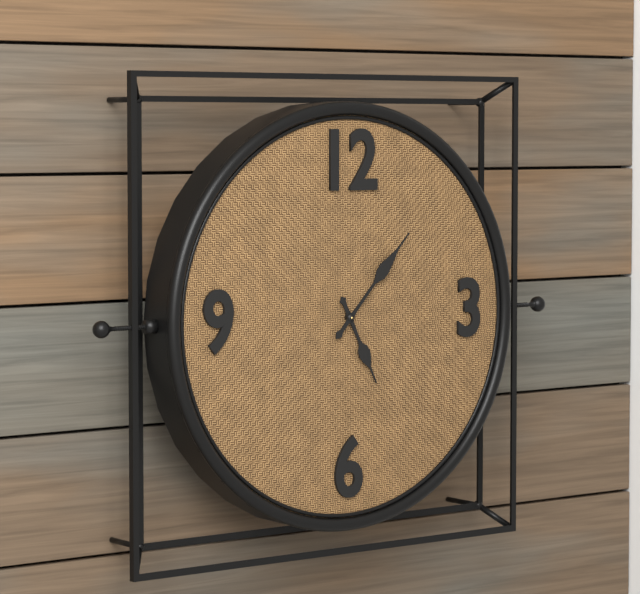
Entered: 5 h 07 min
